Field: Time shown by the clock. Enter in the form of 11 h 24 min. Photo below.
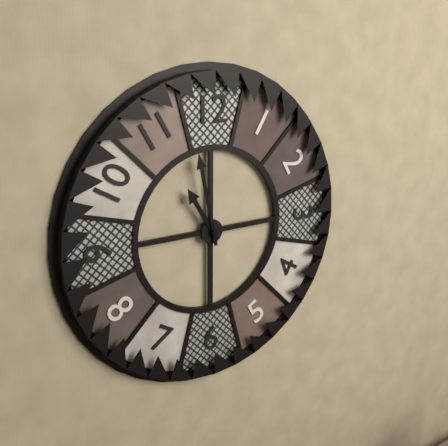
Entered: 10 h 58 min
